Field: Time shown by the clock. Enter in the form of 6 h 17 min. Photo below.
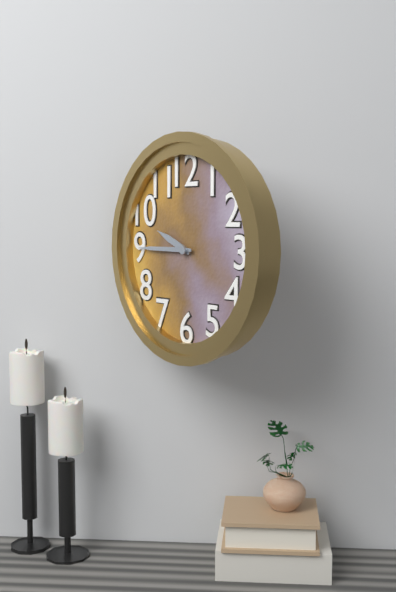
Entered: 9 h 45 min
